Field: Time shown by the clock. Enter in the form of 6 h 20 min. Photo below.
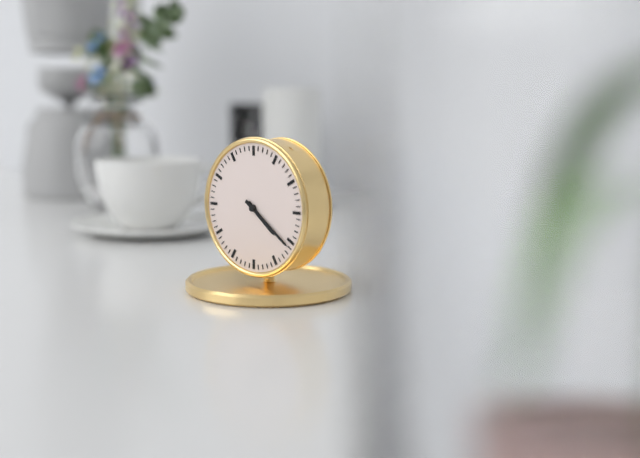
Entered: 4 h 21 min
